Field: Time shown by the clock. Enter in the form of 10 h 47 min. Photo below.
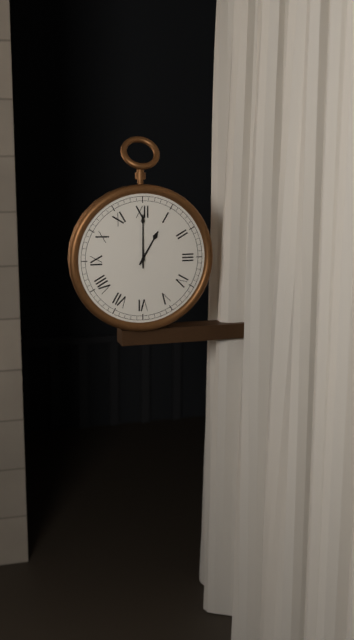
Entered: 1 h 00 min
